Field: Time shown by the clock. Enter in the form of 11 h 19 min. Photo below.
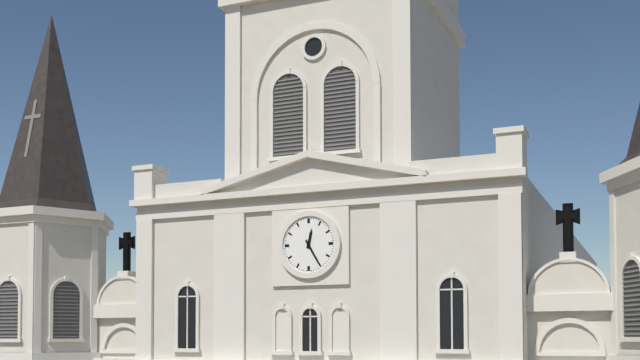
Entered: 12 h 25 min
